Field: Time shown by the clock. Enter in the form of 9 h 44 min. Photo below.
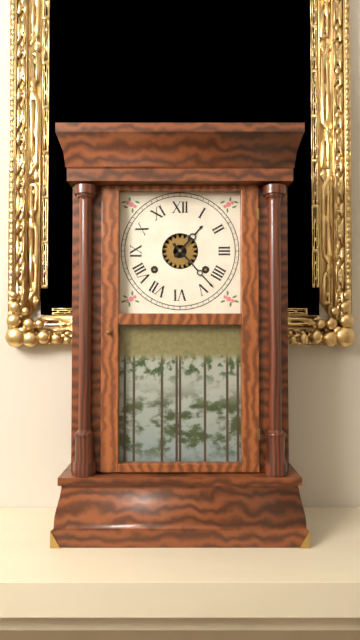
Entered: 1 h 23 min
